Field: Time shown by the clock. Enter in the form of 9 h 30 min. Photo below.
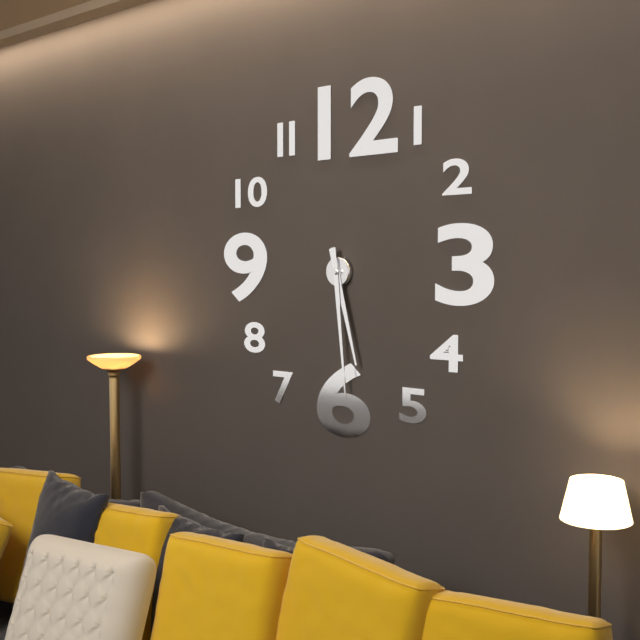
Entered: 5 h 29 min
